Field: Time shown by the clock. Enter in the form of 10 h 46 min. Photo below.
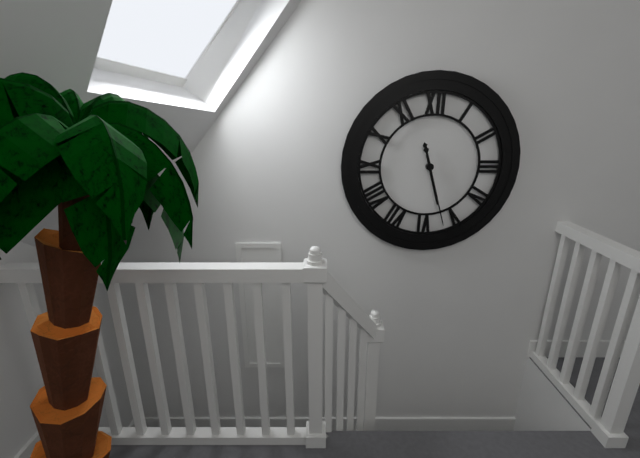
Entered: 5 h 27 min
